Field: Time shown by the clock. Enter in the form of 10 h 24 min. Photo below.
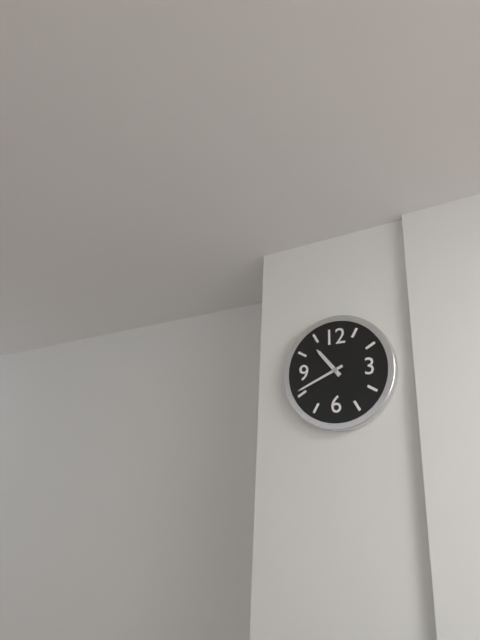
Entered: 10 h 41 min
